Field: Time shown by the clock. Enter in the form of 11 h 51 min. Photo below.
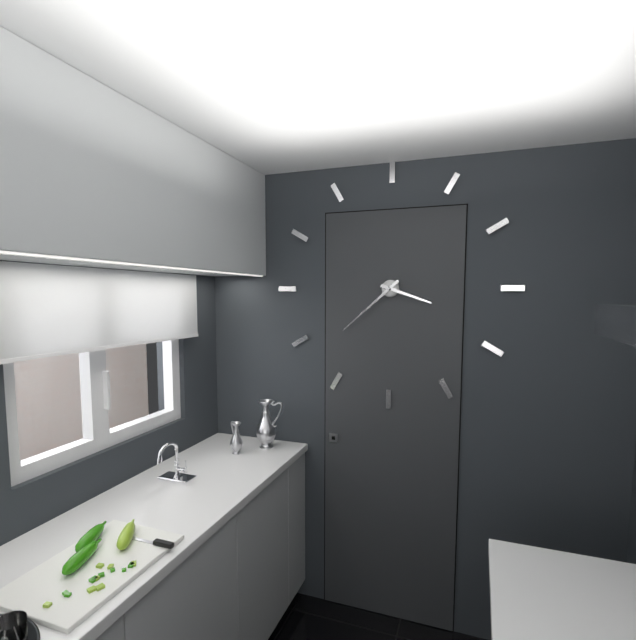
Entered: 3 h 38 min
